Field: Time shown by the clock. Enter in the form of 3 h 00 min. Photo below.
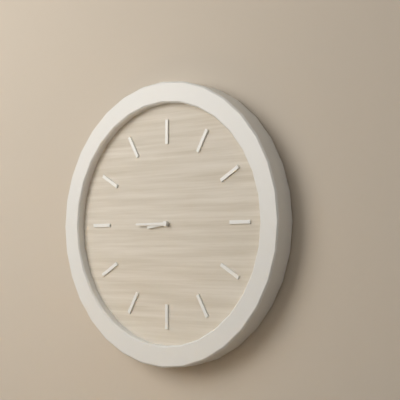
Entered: 8 h 45 min
